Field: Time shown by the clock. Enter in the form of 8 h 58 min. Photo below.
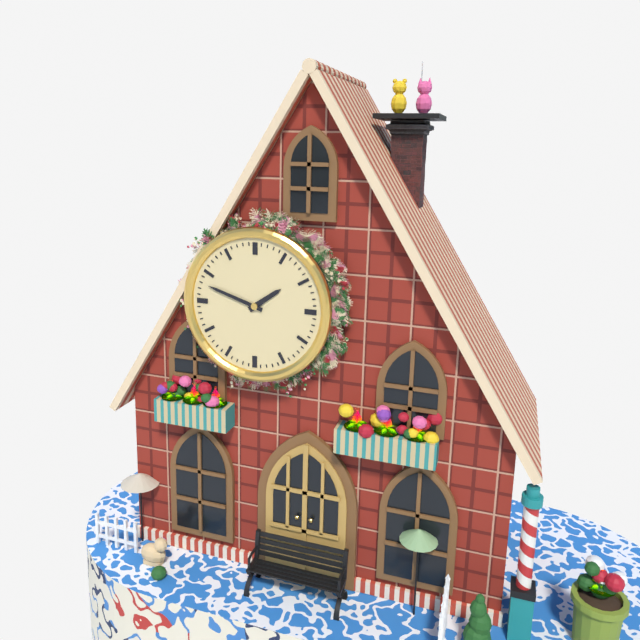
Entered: 1 h 48 min
